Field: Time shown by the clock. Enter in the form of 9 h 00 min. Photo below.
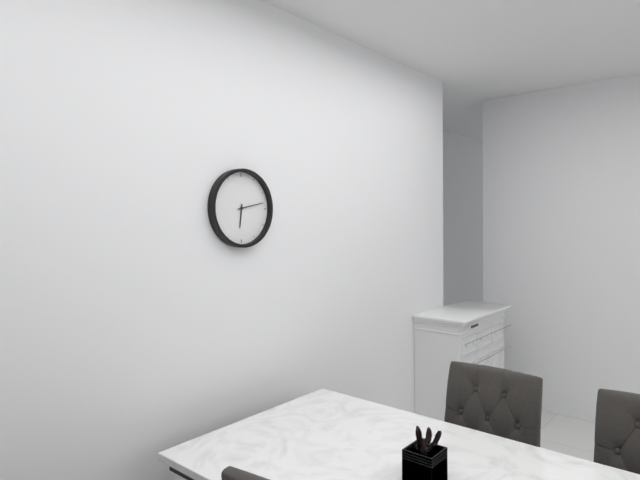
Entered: 6 h 13 min
